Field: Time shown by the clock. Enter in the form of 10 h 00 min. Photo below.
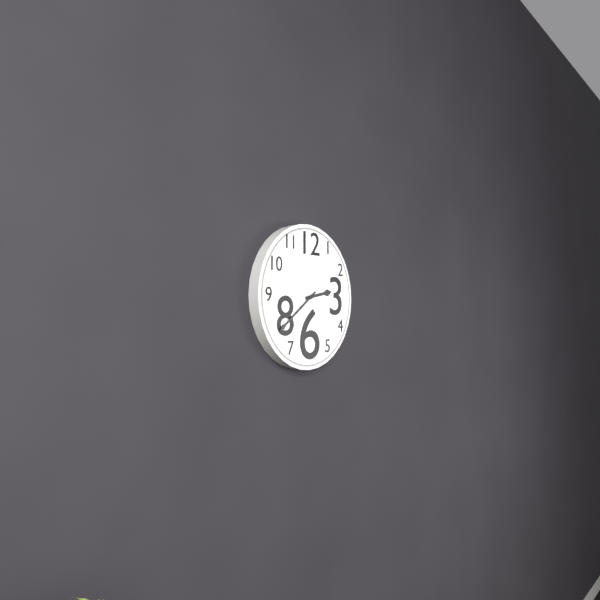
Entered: 2 h 39 min
